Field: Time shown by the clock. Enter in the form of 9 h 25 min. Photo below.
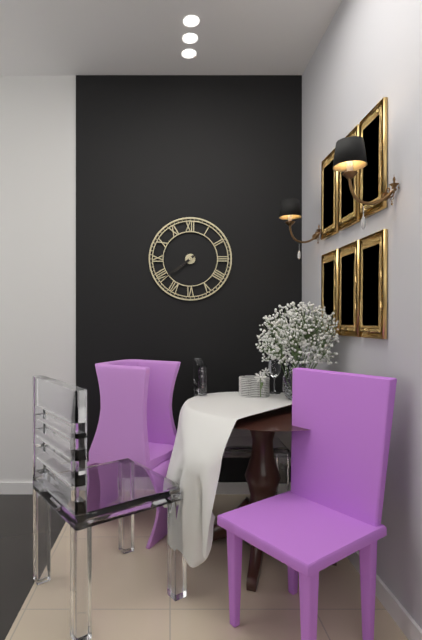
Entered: 7 h 39 min
